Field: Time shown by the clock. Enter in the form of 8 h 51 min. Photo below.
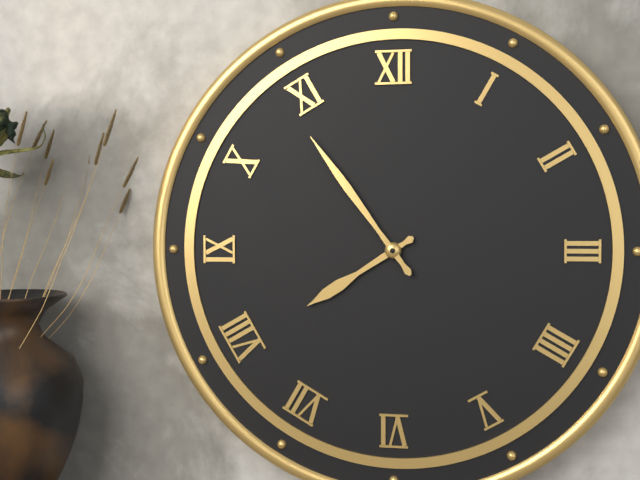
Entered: 7 h 54 min
